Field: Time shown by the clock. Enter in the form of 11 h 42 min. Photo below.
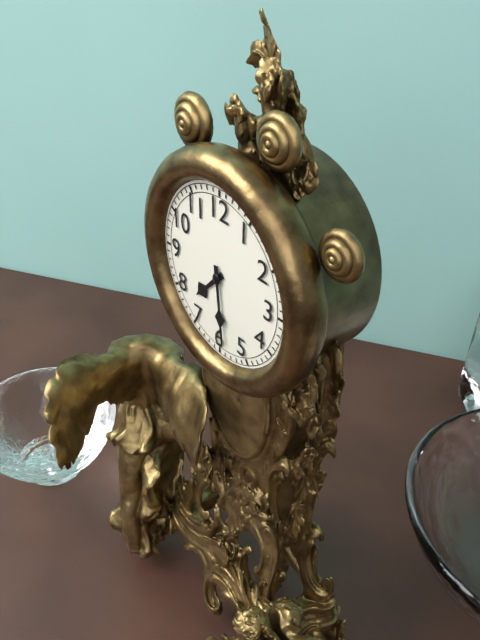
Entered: 7 h 29 min
